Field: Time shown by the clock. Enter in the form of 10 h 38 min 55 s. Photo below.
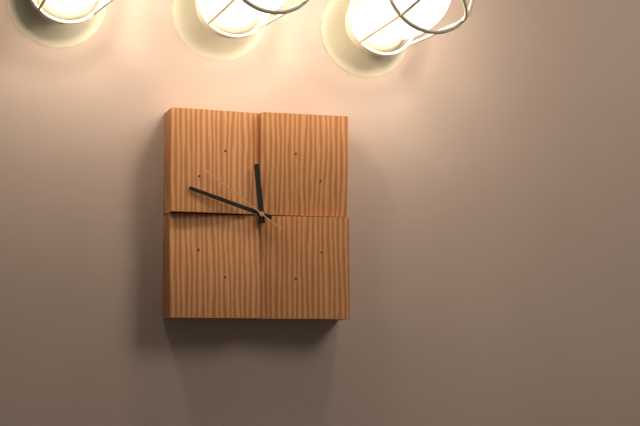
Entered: 11 h 48 min 51 s
